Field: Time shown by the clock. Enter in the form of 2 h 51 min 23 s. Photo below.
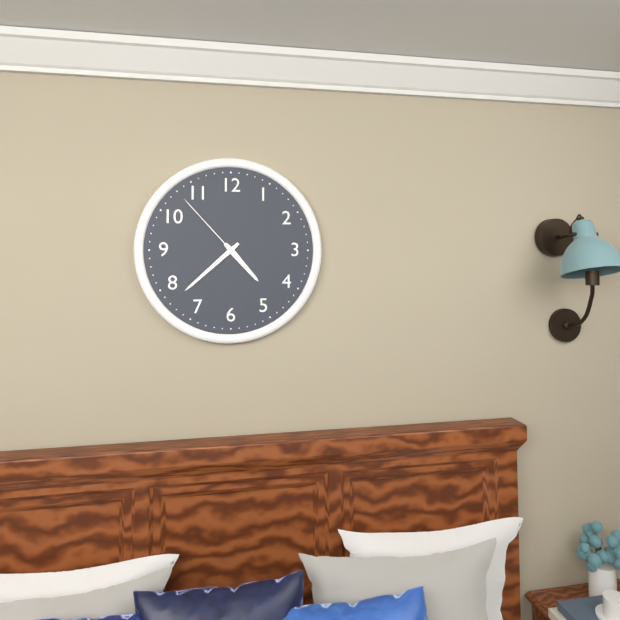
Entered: 4 h 38 min 53 s
